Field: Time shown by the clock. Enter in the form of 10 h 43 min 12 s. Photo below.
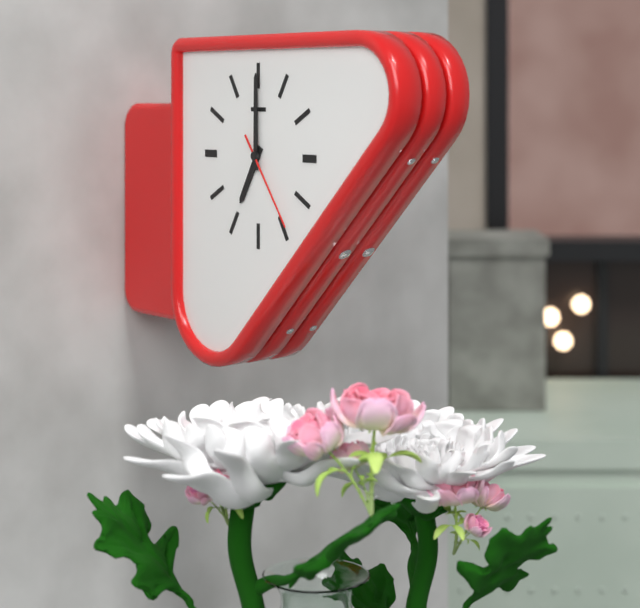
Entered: 7 h 00 min 24 s
